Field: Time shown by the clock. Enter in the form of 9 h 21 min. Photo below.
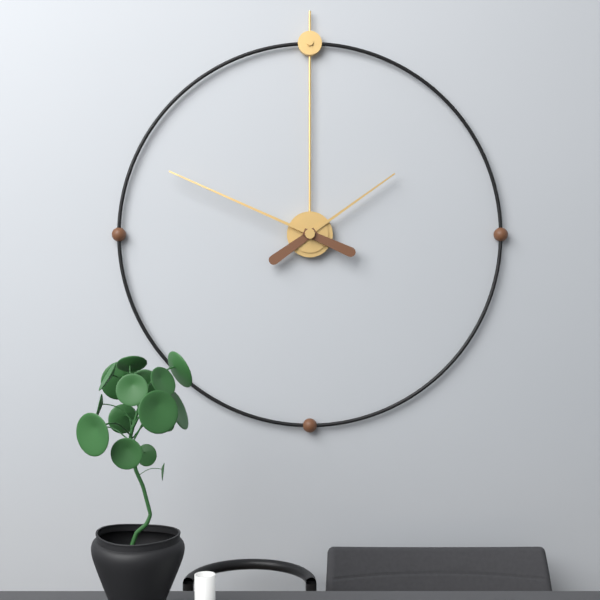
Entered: 1 h 49 min
